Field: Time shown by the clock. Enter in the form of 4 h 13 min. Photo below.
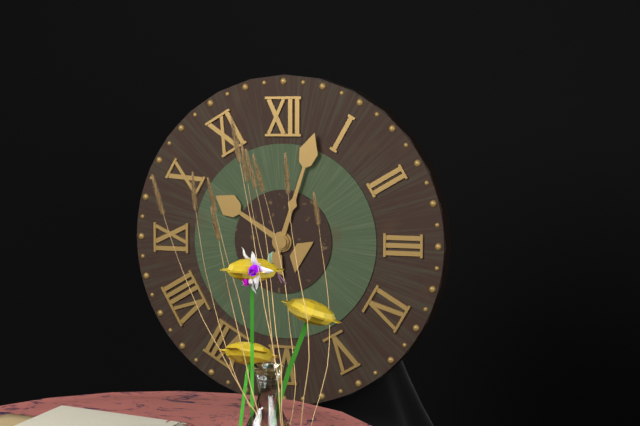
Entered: 10 h 03 min
